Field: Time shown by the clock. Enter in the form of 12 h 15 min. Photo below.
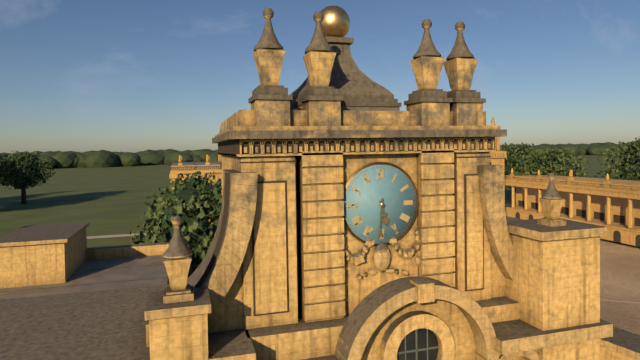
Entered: 5 h 31 min
